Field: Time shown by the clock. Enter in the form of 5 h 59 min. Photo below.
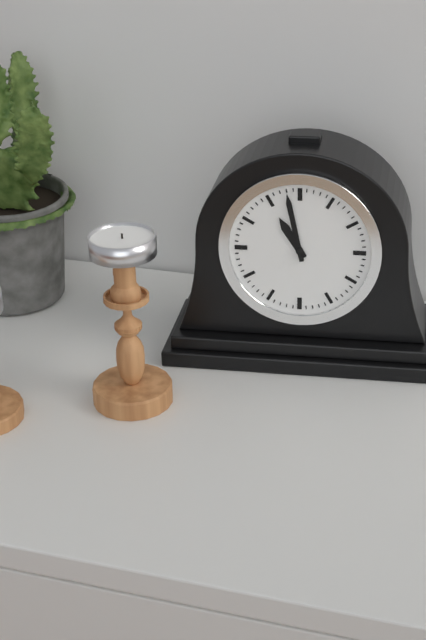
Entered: 10 h 58 min
